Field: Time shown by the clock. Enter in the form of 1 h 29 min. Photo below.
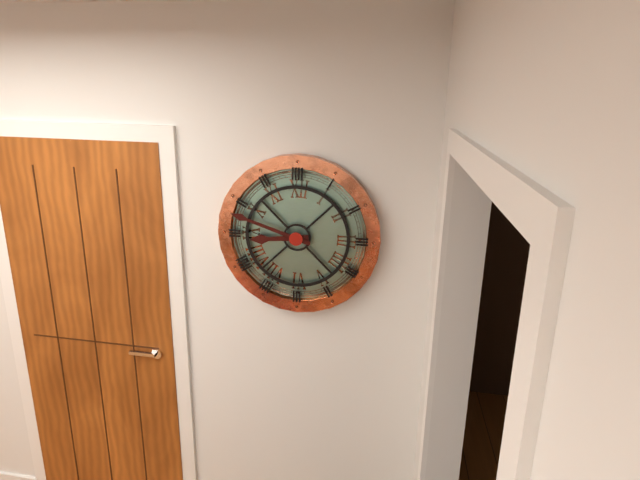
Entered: 8 h 48 min
